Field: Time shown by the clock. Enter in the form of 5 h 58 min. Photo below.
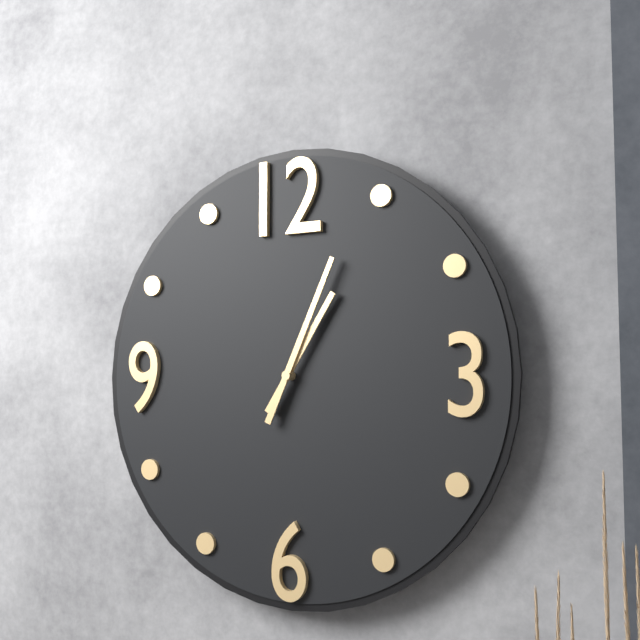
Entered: 1 h 04 min
